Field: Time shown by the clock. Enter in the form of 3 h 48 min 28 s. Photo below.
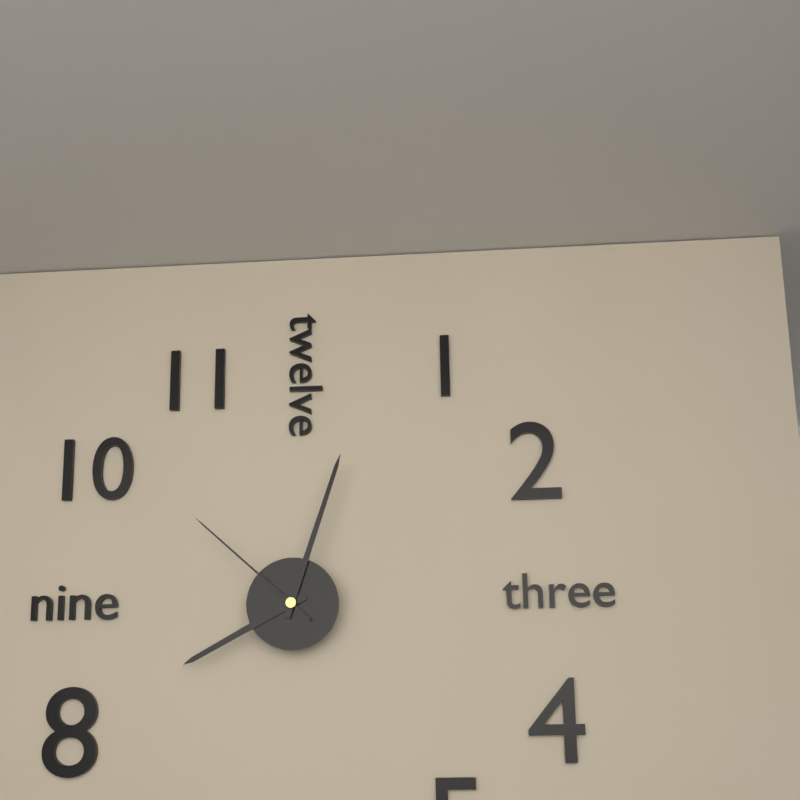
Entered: 8 h 03 min 52 s
